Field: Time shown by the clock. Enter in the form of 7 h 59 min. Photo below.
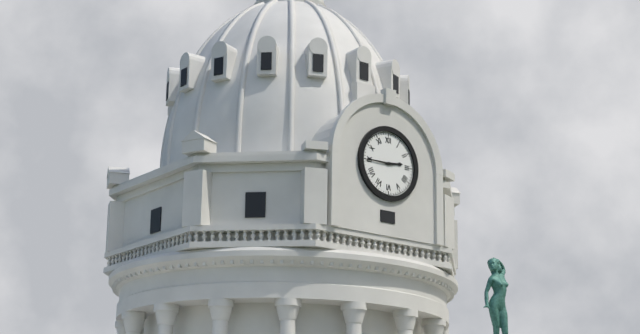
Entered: 2 h 45 min
